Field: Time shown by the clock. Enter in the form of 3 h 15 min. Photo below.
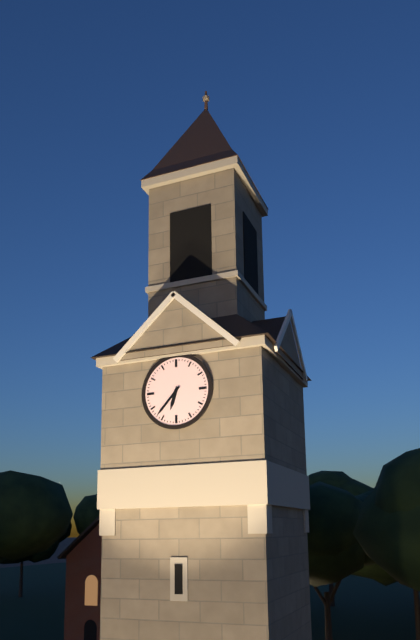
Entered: 6 h 37 min
